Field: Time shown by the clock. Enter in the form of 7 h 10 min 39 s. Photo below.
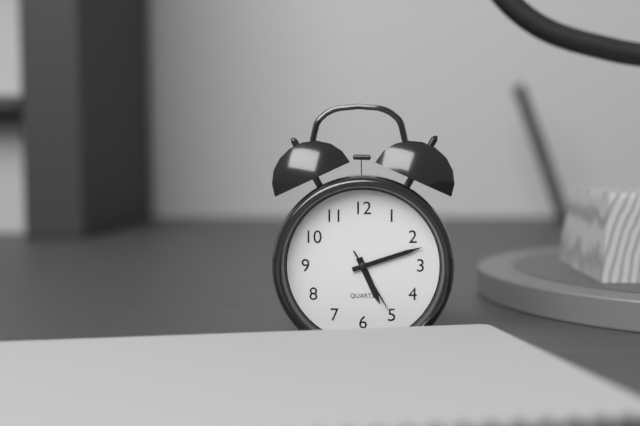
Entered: 5 h 12 min 25 s
